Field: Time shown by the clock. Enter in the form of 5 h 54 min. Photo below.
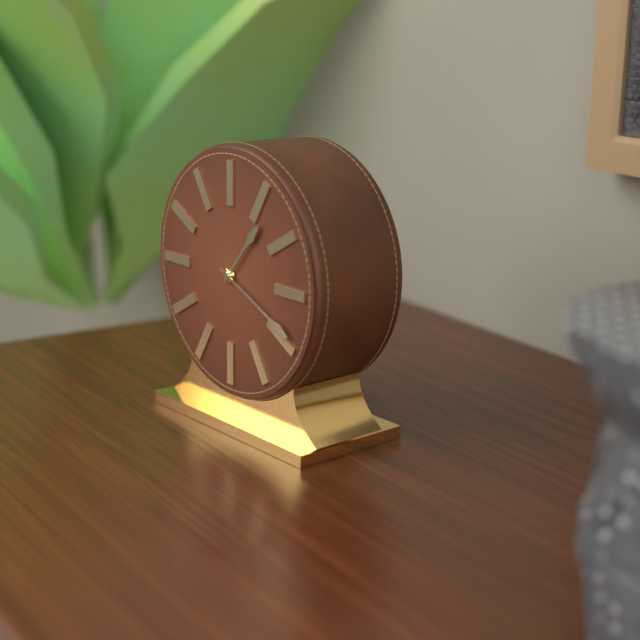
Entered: 1 h 19 min
